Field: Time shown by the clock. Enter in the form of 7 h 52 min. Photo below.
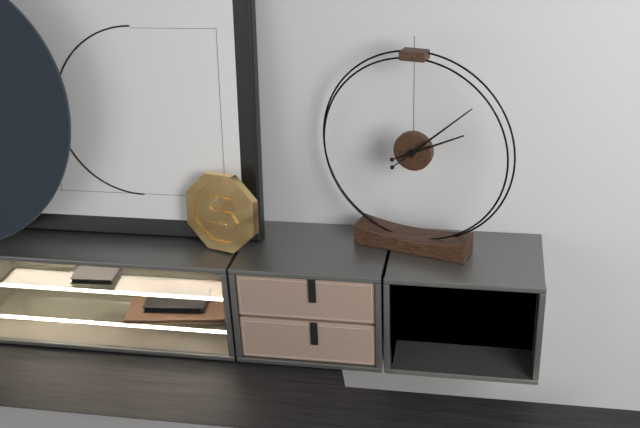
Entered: 2 h 08 min
